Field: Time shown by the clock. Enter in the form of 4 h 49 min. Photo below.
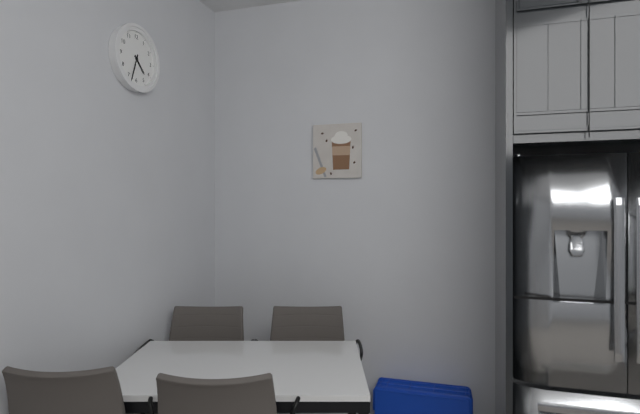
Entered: 4 h 33 min
